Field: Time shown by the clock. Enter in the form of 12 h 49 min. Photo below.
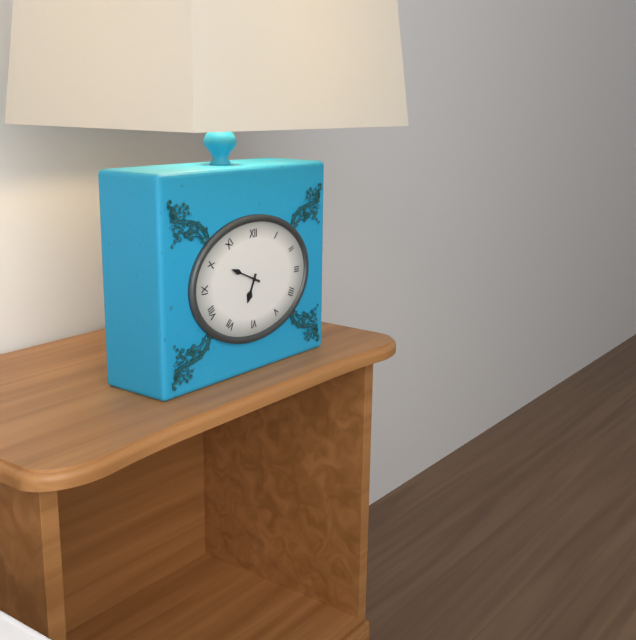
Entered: 6 h 49 min
